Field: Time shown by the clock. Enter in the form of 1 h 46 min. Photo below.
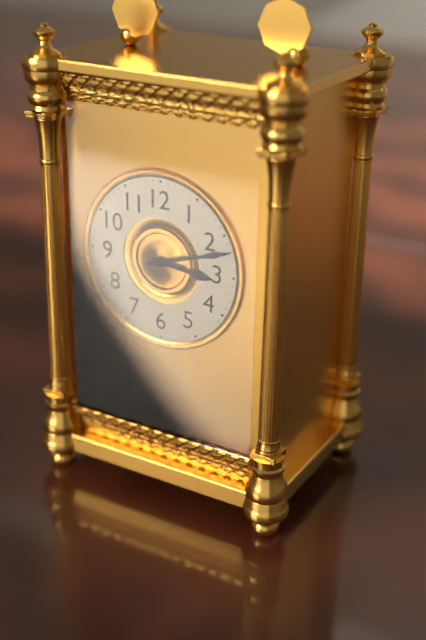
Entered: 3 h 12 min
